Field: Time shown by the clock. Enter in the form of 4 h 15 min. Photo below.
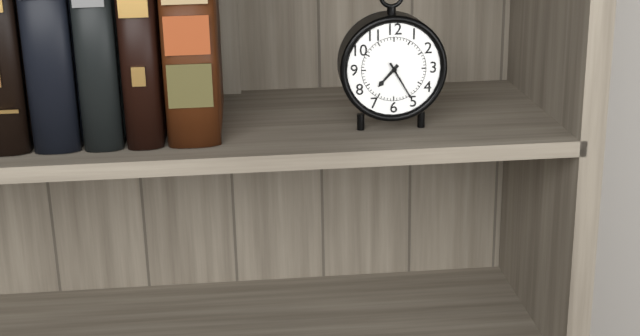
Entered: 7 h 25 min
